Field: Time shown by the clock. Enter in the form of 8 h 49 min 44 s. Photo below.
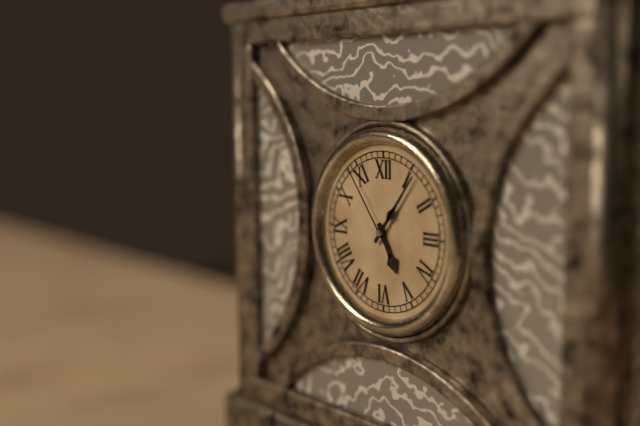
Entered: 5 h 06 min 54 s
